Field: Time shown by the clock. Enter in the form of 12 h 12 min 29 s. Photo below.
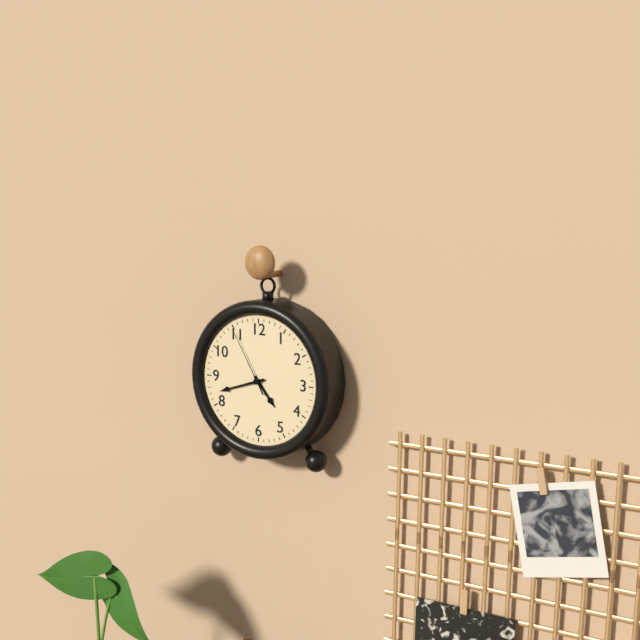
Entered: 4 h 42 min 55 s
